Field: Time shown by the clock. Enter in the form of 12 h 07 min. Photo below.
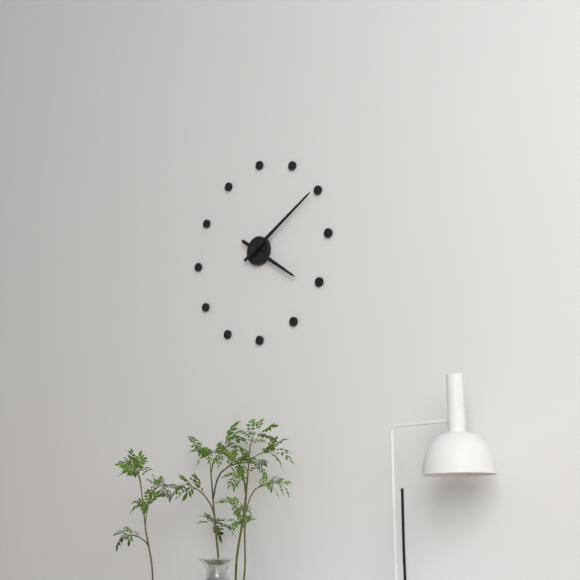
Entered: 4 h 10 min
